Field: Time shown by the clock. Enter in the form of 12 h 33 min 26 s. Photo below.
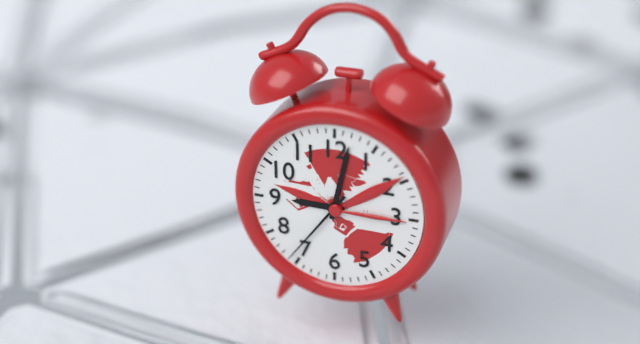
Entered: 9 h 02 min 36 s
